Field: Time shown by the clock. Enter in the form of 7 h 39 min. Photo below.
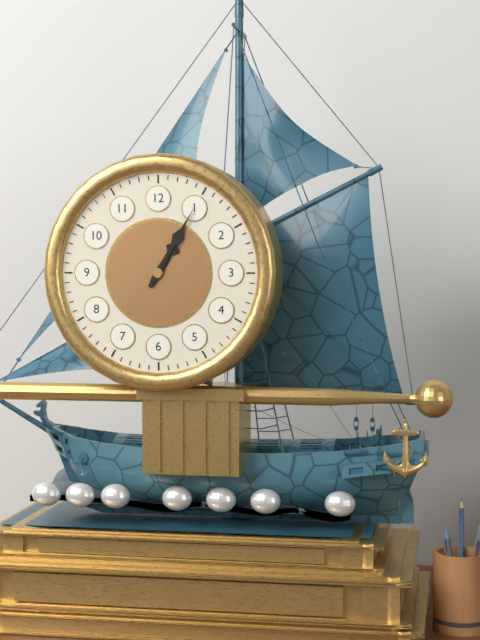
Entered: 1 h 05 min
